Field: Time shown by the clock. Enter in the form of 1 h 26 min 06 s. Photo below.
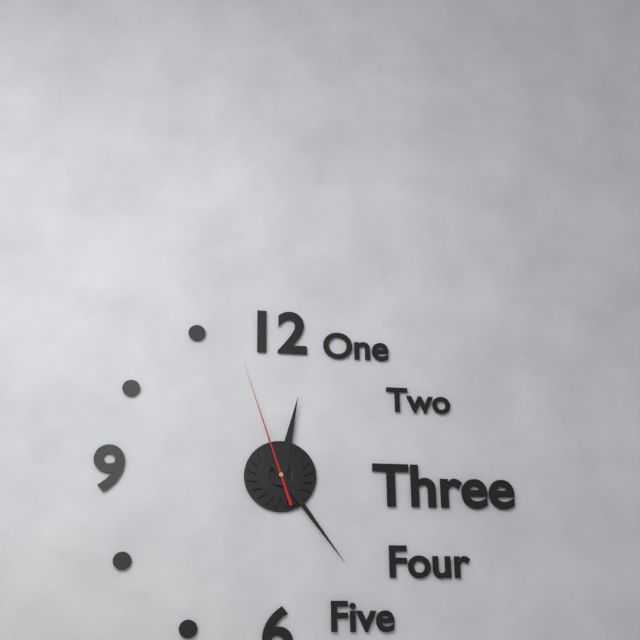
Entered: 12 h 24 min 57 s
